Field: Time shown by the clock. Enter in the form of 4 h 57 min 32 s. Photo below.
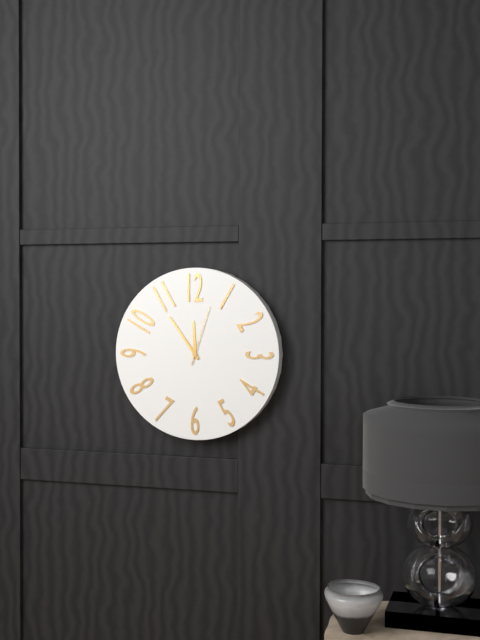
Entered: 11 h 54 min 03 s
